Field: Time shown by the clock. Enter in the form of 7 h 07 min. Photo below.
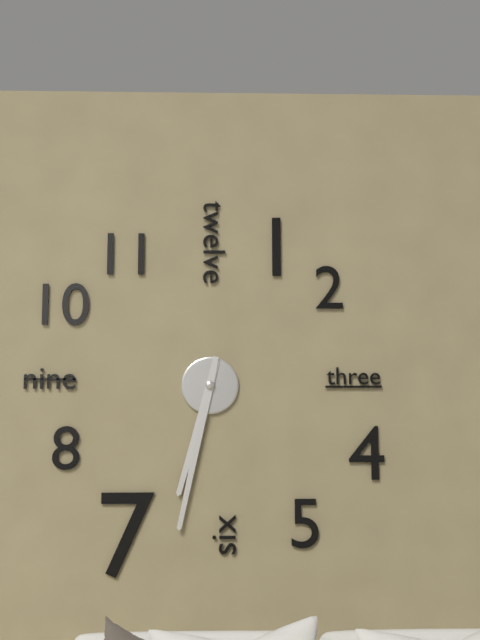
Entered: 6 h 32 min
